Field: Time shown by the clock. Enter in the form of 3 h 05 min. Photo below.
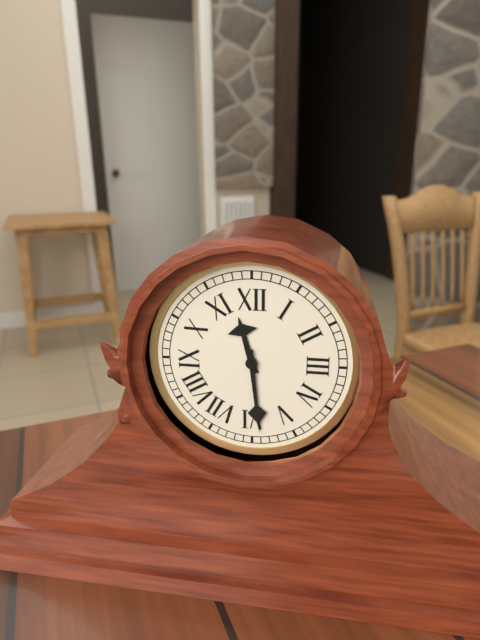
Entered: 11 h 29 min
